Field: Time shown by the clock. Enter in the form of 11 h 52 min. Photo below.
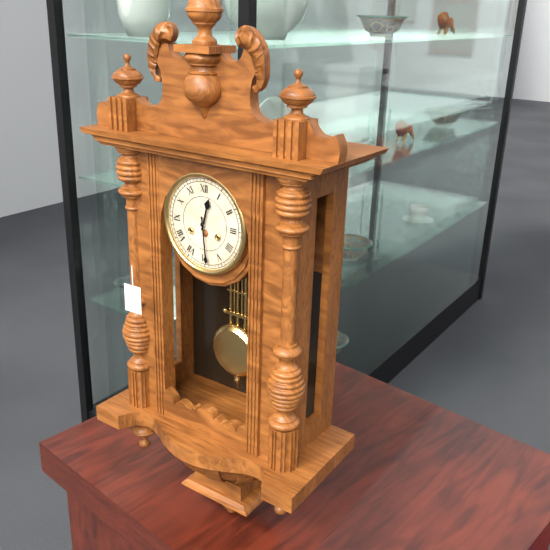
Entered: 12 h 29 min
